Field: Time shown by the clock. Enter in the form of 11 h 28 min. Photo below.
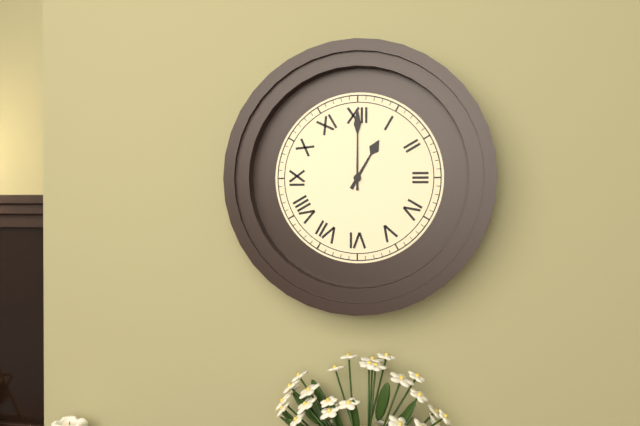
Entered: 1 h 00 min
